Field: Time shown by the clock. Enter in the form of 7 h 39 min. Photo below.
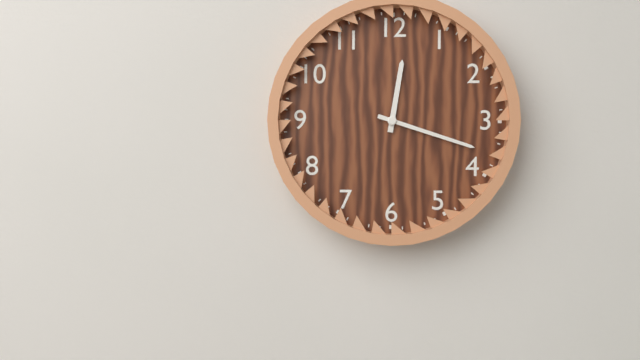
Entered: 12 h 18 min
